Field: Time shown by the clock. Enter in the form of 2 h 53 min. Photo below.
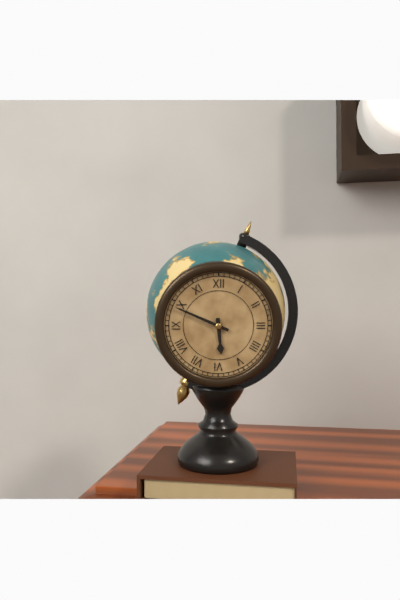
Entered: 5 h 49 min
